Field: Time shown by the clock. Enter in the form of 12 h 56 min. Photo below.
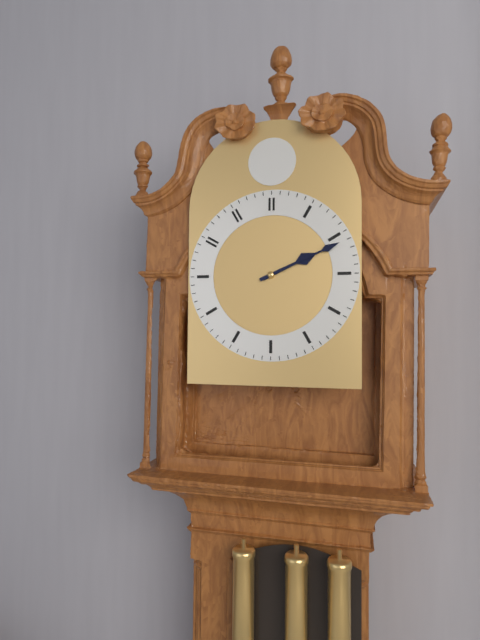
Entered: 2 h 11 min
